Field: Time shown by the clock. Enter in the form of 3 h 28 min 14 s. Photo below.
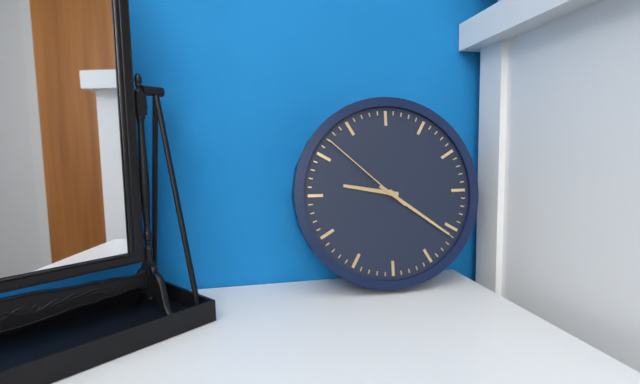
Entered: 9 h 21 min 52 s
